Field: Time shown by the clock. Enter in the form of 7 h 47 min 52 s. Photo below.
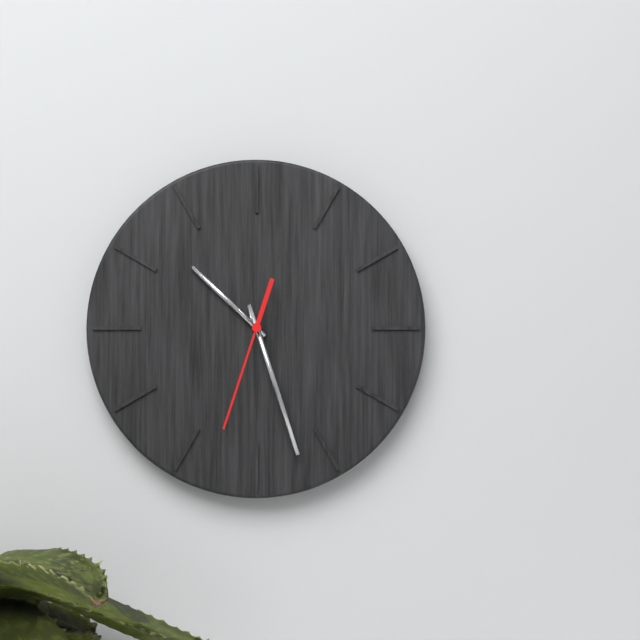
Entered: 10 h 27 min 33 s
